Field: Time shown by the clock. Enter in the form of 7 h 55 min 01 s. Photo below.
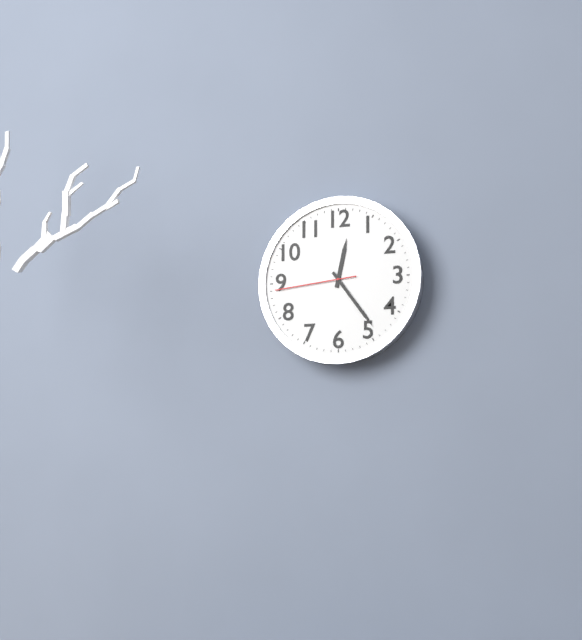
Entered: 12 h 24 min 44 s
